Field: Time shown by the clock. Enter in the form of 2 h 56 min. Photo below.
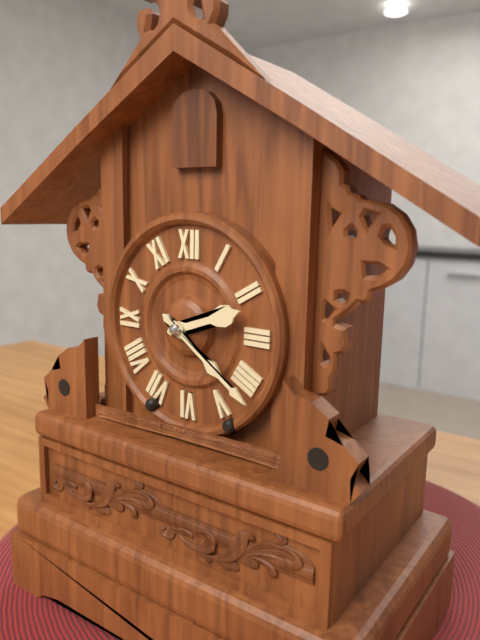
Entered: 2 h 21 min
